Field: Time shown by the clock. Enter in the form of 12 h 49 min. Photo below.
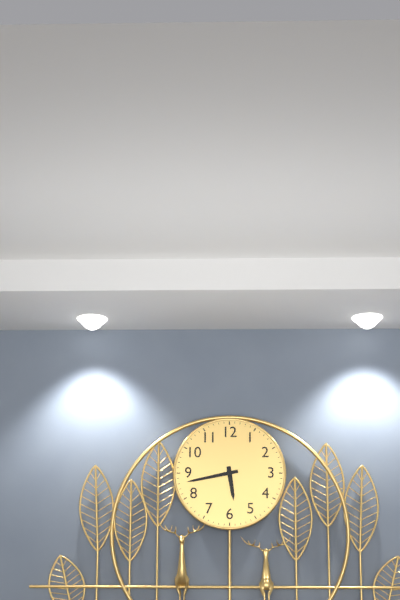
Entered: 5 h 43 min
